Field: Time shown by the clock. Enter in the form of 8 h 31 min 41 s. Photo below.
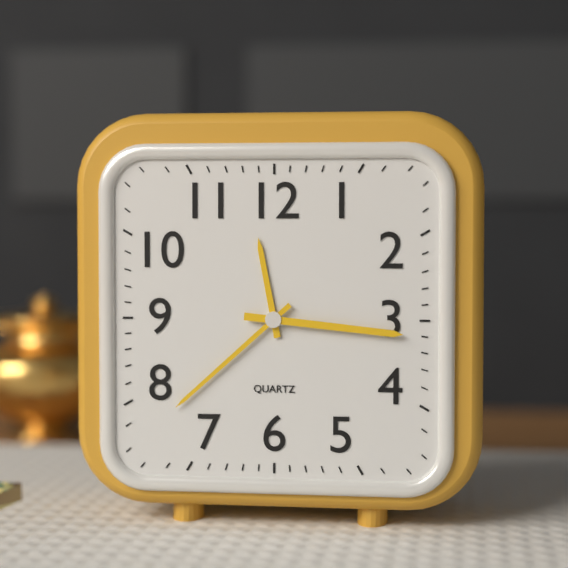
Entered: 11 h 38 min 16 s
